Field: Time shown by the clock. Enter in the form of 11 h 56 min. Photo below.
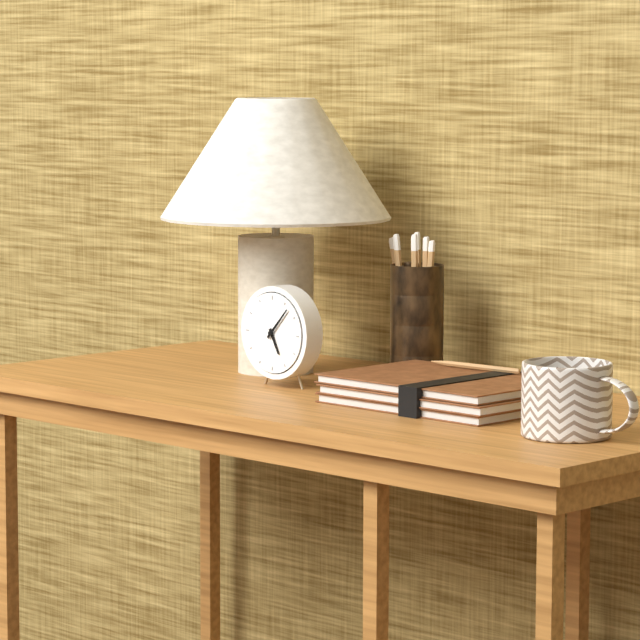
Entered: 5 h 07 min
